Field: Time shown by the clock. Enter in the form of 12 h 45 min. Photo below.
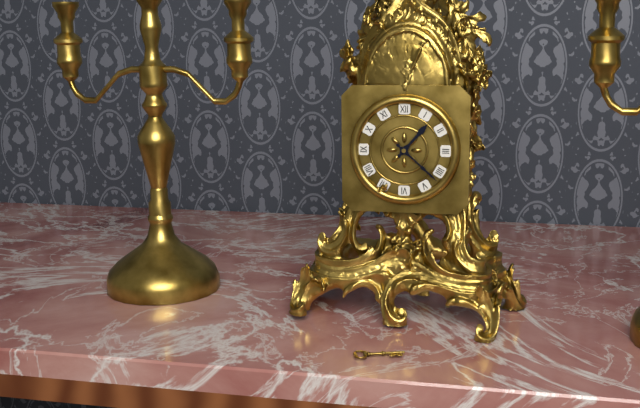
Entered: 1 h 22 min
